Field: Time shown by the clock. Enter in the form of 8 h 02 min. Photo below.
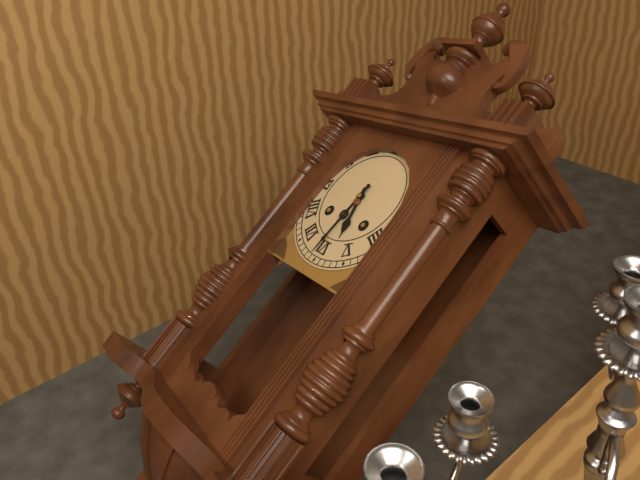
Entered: 5 h 31 min
